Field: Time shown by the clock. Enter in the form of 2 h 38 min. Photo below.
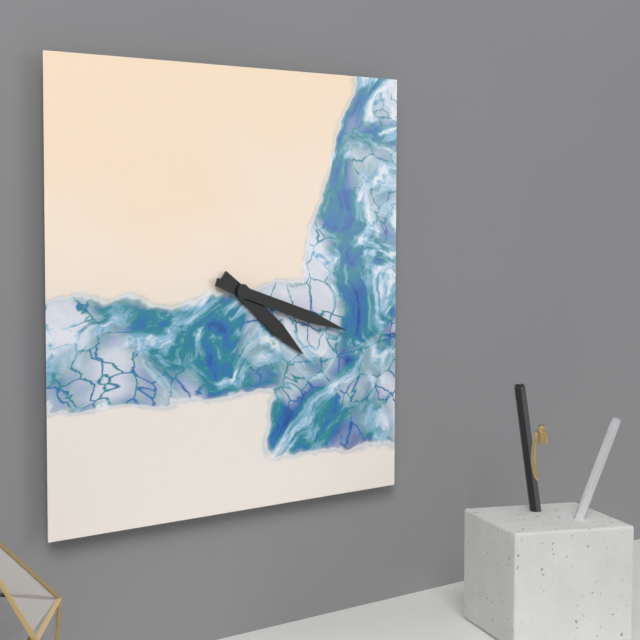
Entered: 4 h 18 min
